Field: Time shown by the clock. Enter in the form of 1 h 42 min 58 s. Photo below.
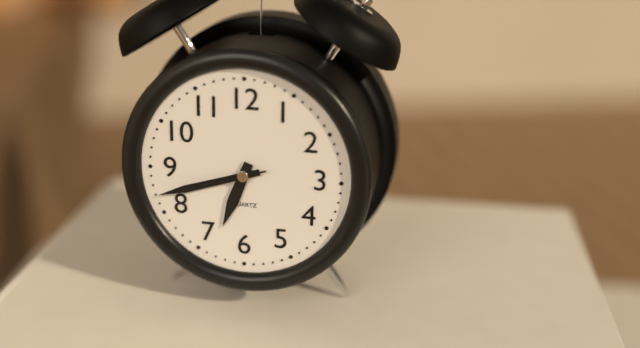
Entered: 6 h 42 min 42 s
